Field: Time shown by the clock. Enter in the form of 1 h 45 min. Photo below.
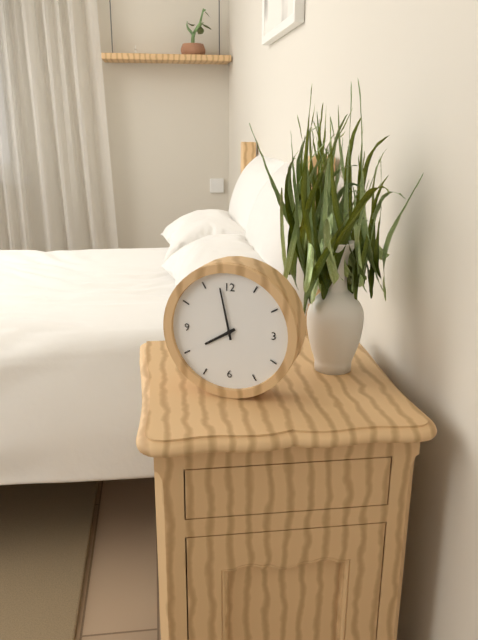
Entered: 7 h 58 min
